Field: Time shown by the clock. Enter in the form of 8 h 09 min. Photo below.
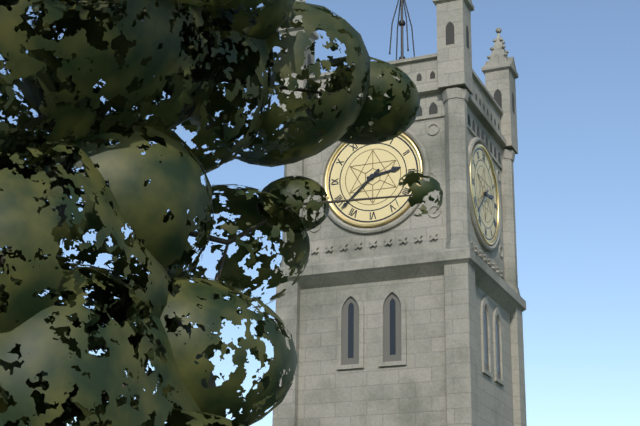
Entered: 2 h 38 min
